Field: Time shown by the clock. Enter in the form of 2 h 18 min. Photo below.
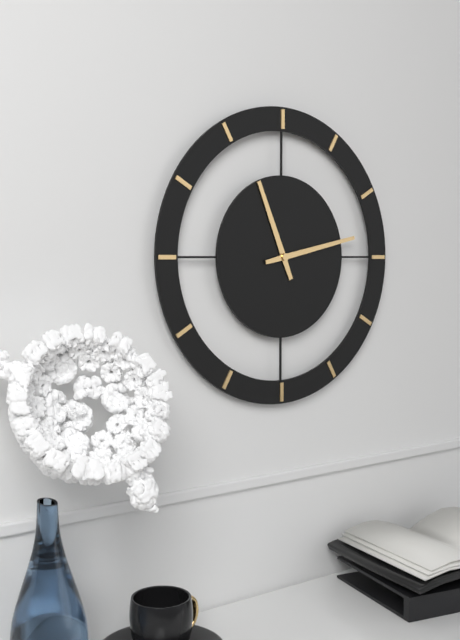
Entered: 11 h 13 min
